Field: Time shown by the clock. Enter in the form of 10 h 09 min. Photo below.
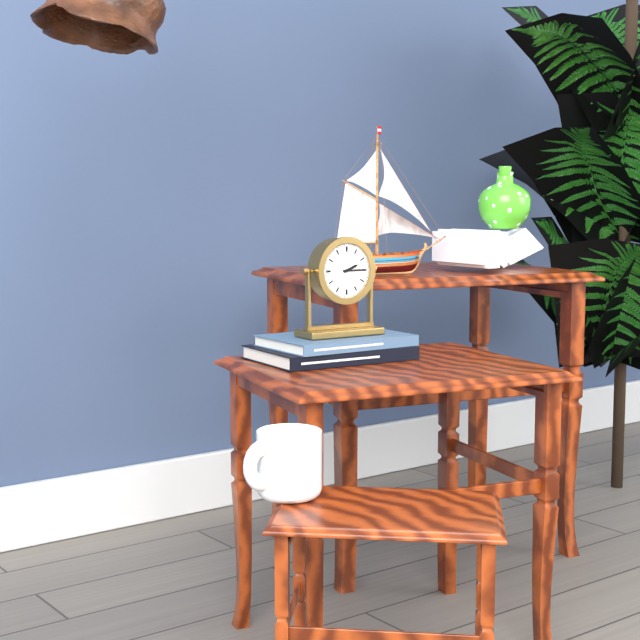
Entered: 2 h 15 min
